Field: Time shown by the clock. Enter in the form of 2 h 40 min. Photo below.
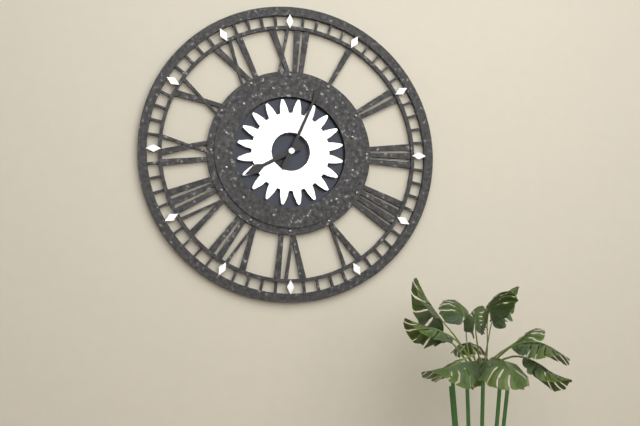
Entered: 8 h 04 min
